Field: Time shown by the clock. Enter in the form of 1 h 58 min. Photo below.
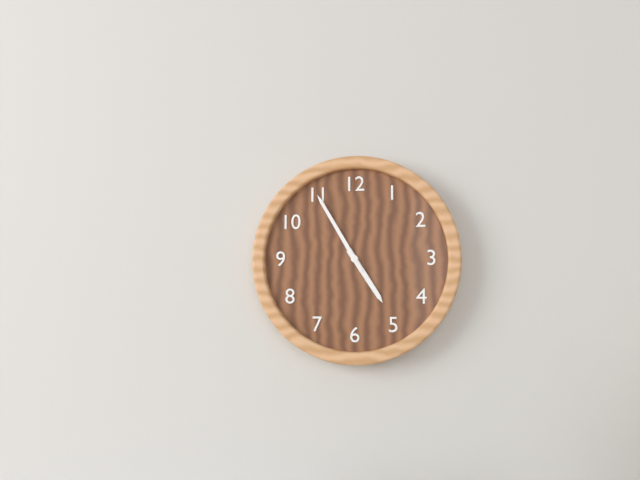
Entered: 4 h 55 min
